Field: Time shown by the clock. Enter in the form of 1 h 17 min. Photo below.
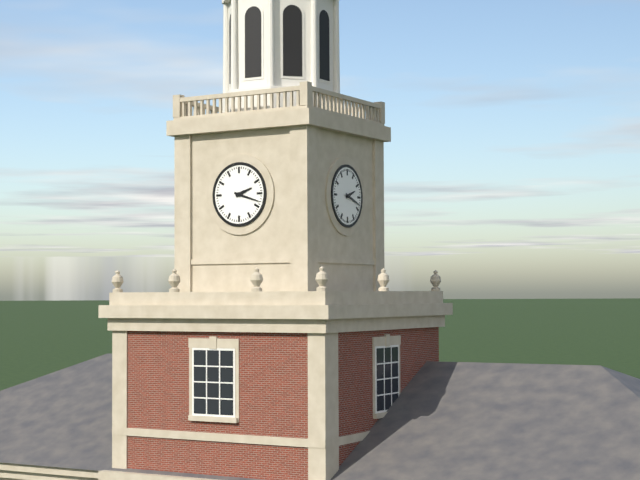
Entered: 2 h 18 min
